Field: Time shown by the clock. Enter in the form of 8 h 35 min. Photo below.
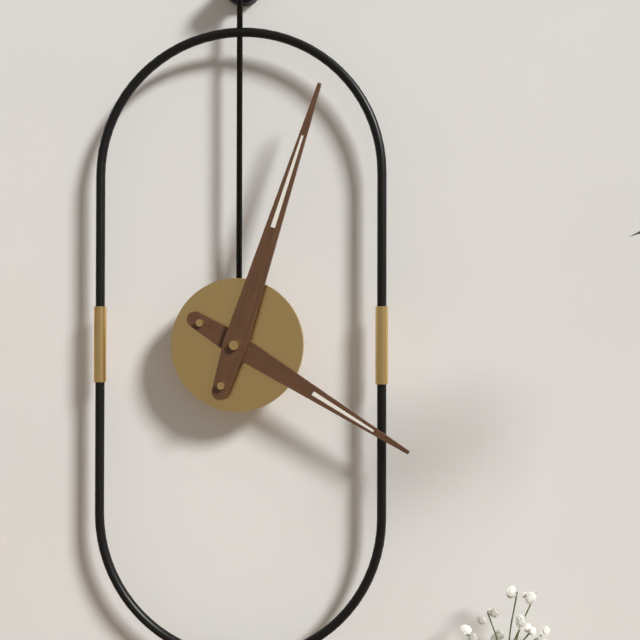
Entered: 4 h 03 min
